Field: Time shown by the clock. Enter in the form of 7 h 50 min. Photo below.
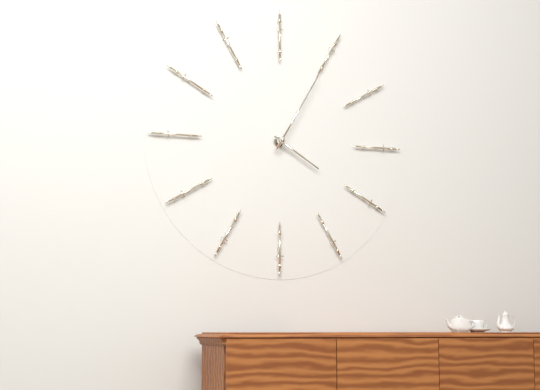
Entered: 4 h 05 min
